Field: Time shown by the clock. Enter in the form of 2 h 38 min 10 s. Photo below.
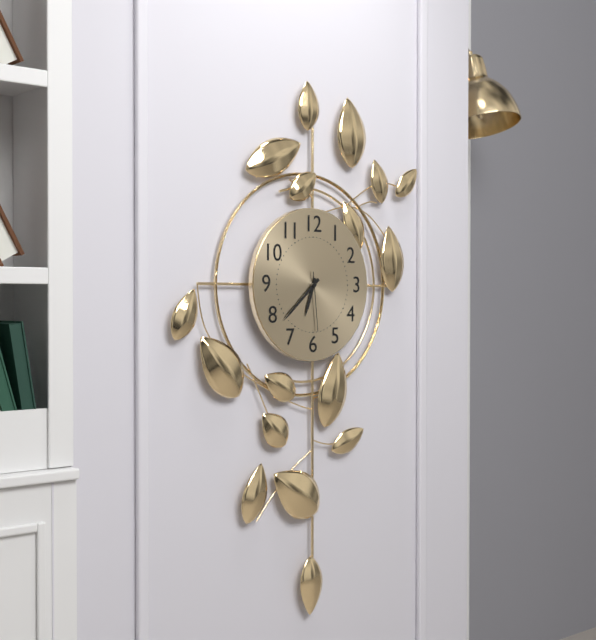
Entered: 6 h 38 min 29 s
